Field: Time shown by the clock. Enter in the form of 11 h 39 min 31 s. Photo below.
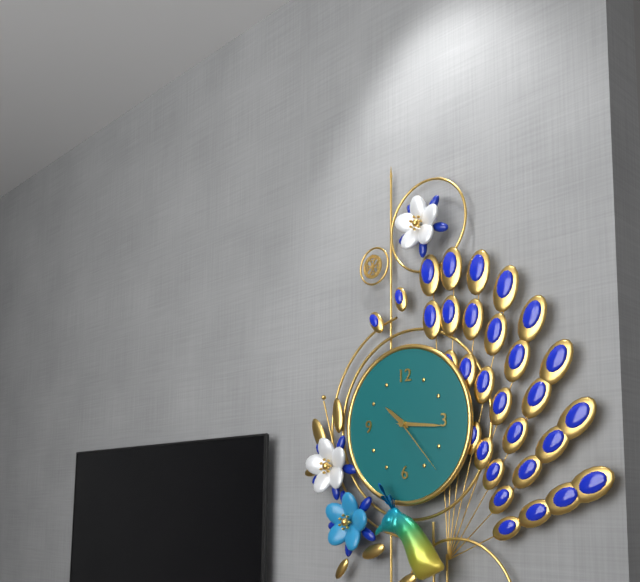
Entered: 10 h 16 min 23 s
